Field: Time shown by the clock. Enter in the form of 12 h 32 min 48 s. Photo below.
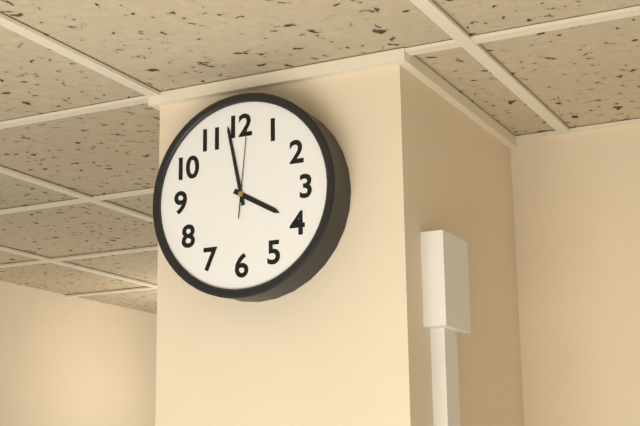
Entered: 3 h 58 min 01 s
